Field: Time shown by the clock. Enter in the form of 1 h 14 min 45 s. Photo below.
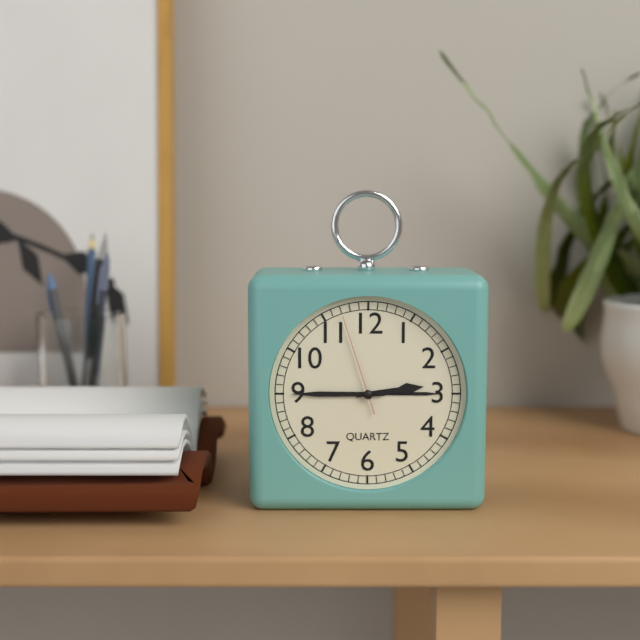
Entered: 2 h 45 min 57 s
